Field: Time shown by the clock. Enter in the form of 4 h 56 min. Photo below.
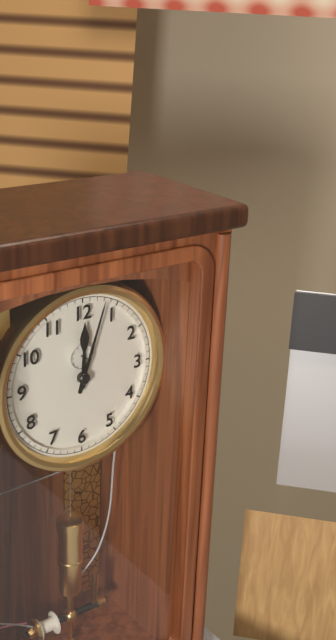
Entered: 12 h 03 min
